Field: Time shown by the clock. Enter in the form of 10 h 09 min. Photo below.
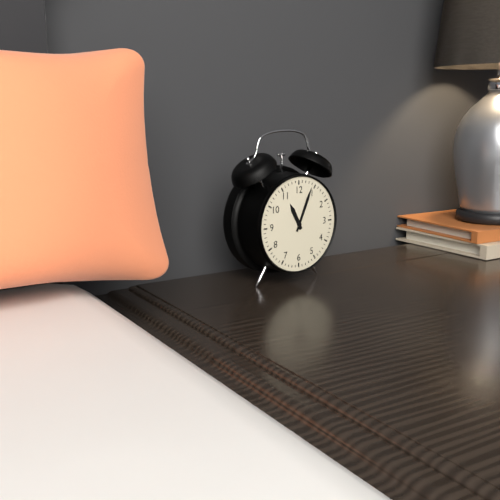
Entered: 11 h 04 min
